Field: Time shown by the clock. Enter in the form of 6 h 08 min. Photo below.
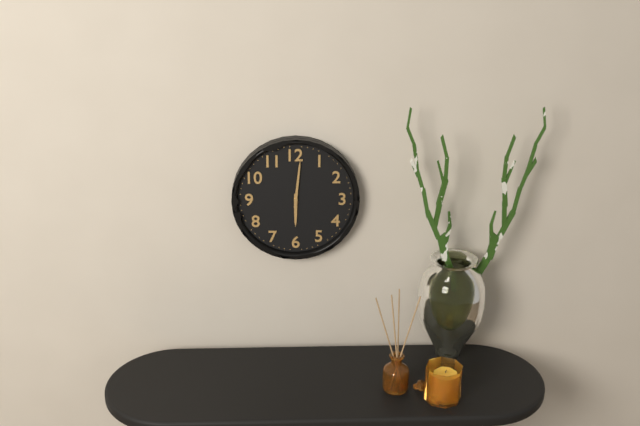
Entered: 6 h 01 min
